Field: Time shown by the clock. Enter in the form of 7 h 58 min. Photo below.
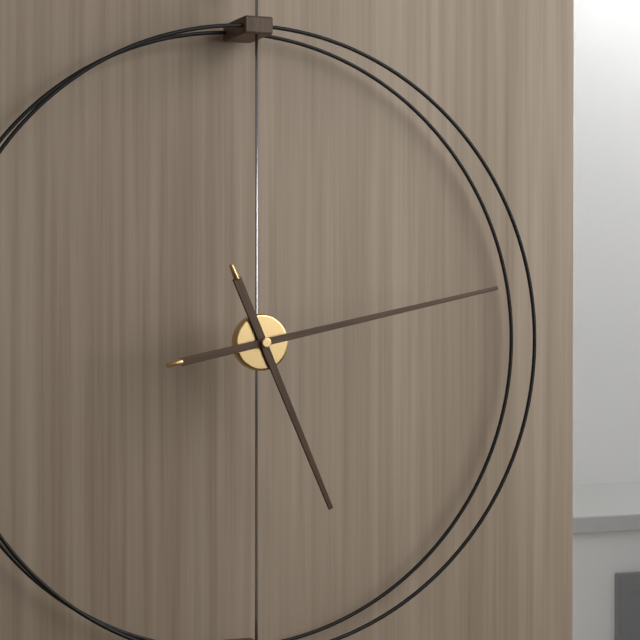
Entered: 5 h 13 min
